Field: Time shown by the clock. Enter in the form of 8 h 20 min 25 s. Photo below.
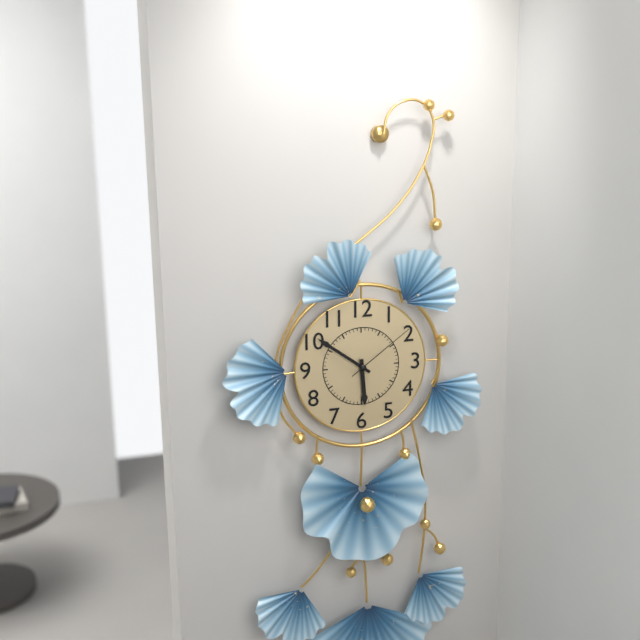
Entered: 5 h 51 min 09 s
